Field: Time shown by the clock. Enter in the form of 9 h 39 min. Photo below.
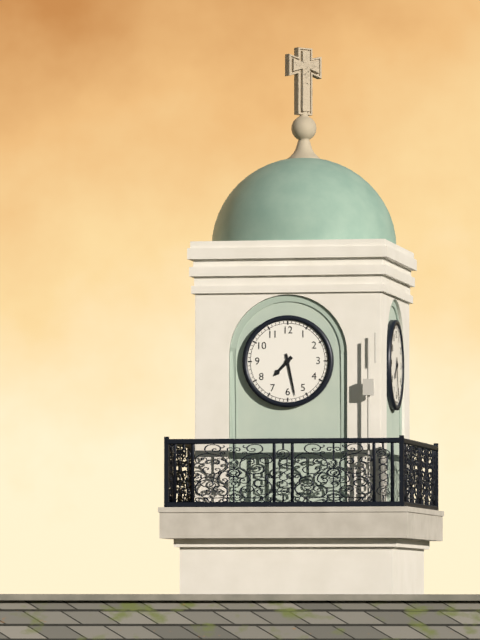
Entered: 7 h 28 min
